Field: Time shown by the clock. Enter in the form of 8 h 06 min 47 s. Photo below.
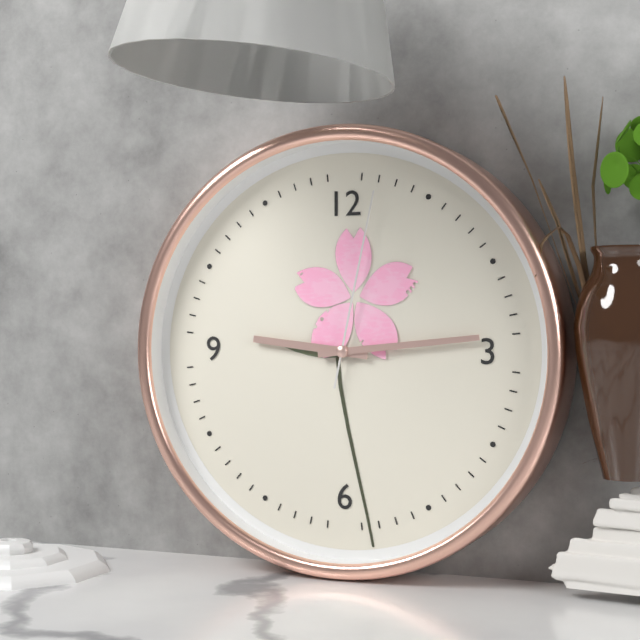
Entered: 9 h 14 min 02 s
